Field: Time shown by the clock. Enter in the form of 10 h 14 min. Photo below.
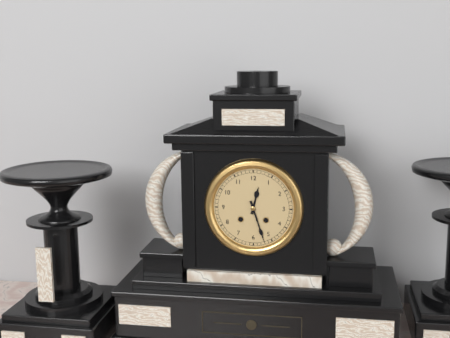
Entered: 12 h 27 min
